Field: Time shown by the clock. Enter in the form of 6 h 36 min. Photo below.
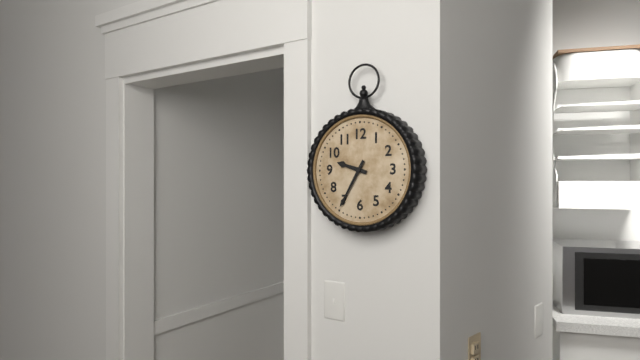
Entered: 9 h 35 min
